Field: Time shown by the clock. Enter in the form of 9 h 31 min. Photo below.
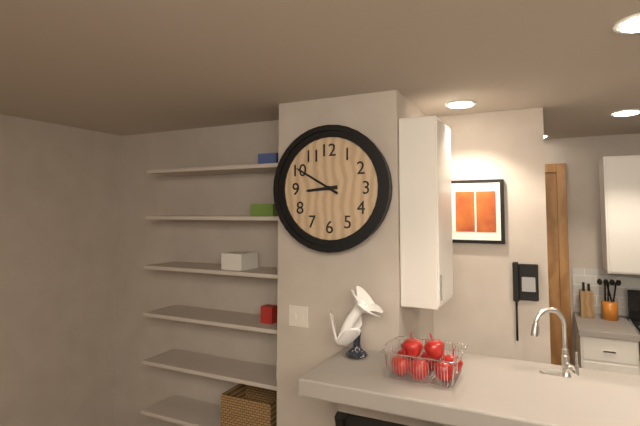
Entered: 8 h 50 min
